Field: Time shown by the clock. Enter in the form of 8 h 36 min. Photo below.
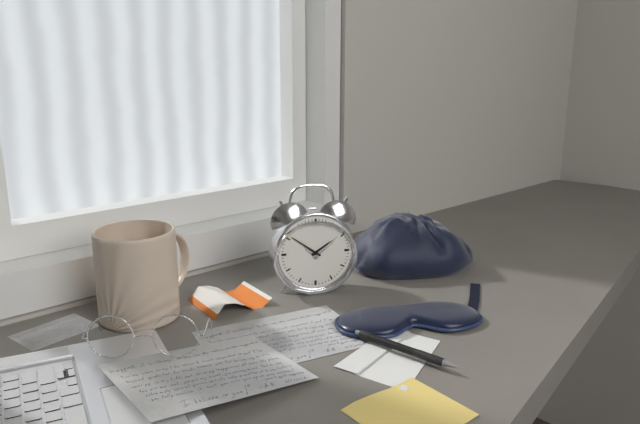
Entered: 1 h 51 min
